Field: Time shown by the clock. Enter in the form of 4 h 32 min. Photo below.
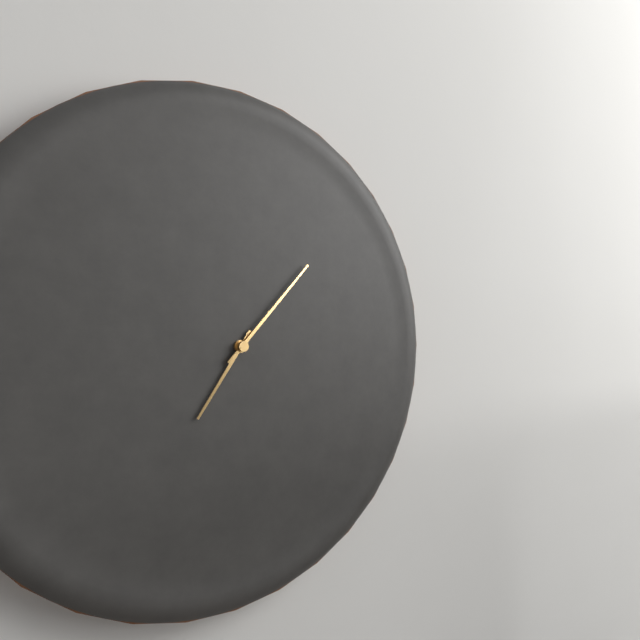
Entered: 7 h 07 min
